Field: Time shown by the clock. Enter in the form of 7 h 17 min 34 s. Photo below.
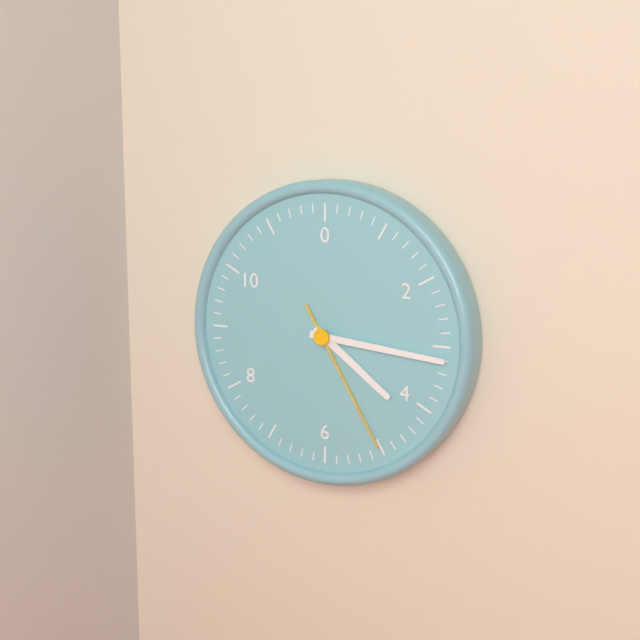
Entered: 4 h 16 min 25 s
